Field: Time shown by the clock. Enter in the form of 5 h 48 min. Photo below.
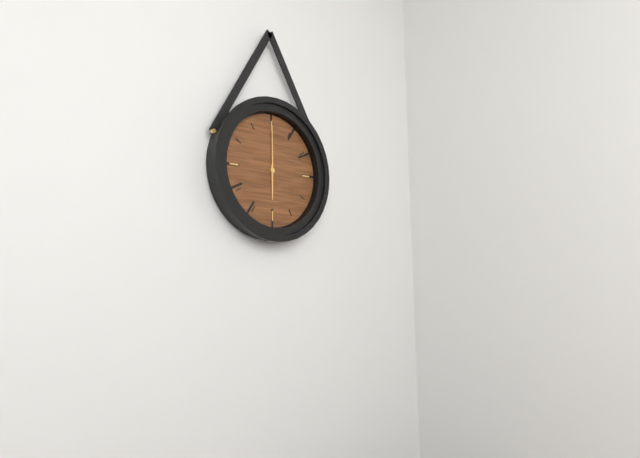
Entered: 6 h 00 min
